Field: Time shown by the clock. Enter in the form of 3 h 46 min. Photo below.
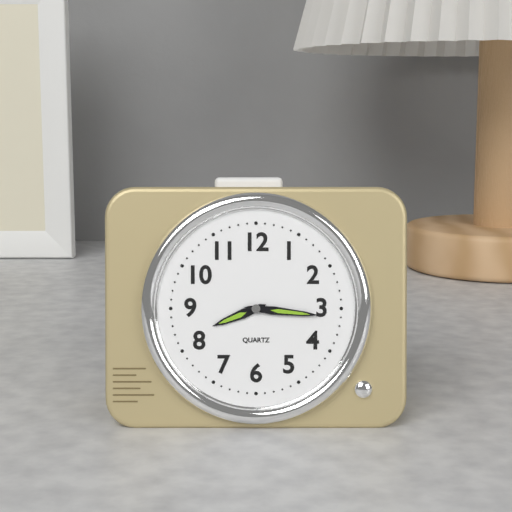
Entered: 8 h 16 min
